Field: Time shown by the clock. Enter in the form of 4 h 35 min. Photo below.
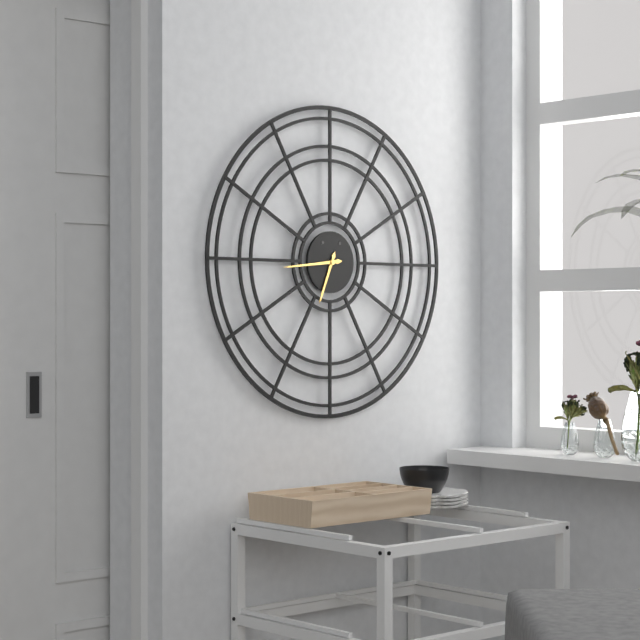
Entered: 6 h 44 min
